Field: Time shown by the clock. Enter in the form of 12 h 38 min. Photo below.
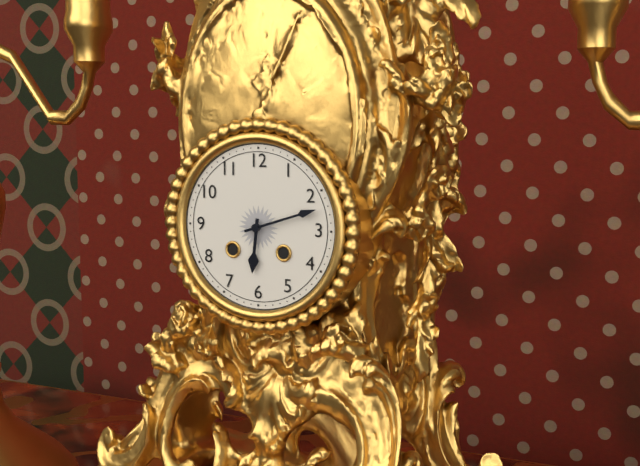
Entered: 6 h 12 min
